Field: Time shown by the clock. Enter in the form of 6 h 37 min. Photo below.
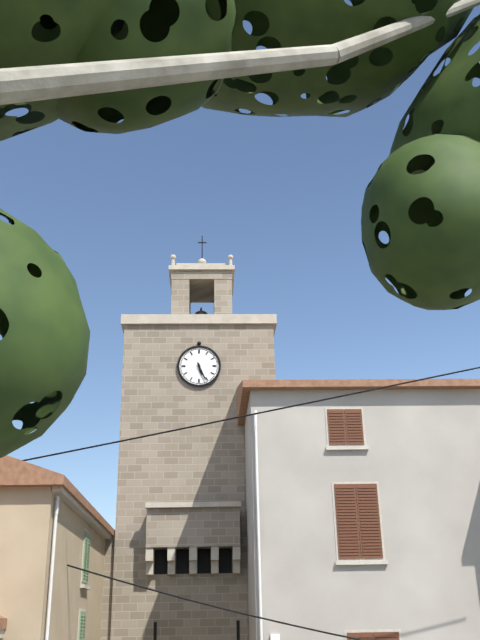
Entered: 5 h 26 min
